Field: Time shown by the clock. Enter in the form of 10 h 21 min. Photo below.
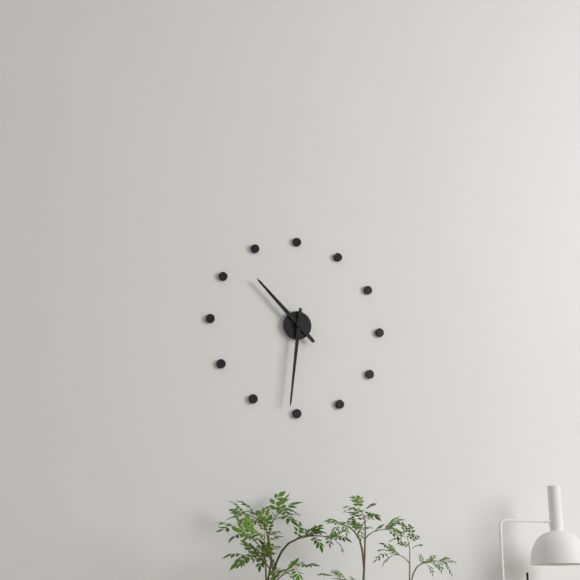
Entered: 10 h 31 min
